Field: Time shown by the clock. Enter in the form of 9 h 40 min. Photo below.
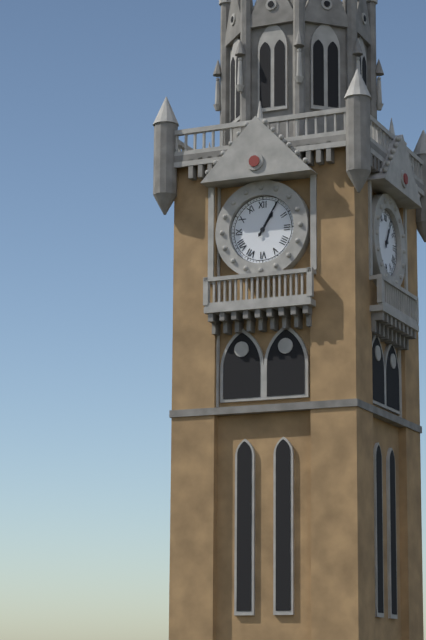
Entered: 1 h 05 min
